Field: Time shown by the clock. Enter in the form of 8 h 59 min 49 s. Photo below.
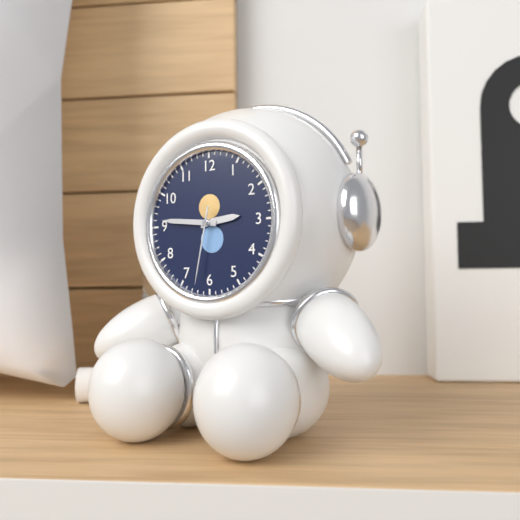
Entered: 2 h 46 min 32 s
